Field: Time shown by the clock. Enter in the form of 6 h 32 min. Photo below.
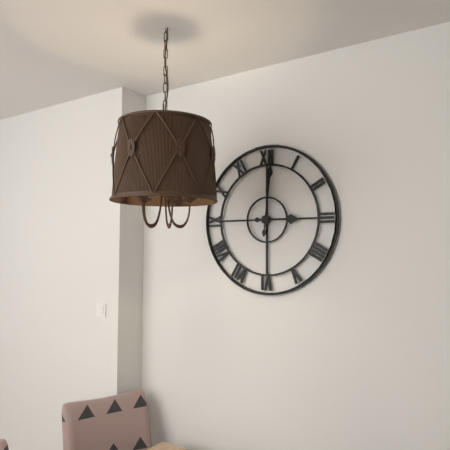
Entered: 3 h 01 min
